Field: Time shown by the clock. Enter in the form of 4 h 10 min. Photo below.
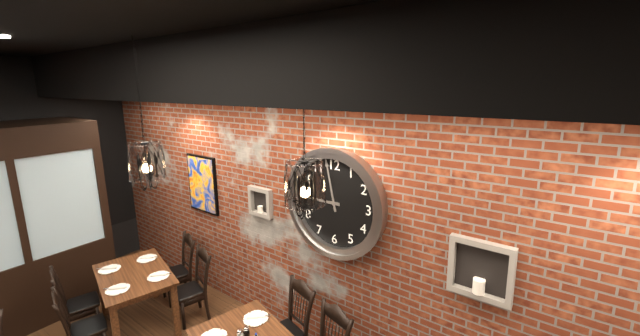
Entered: 8 h 58 min
